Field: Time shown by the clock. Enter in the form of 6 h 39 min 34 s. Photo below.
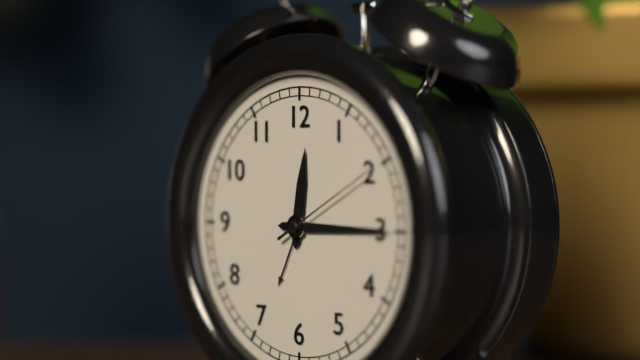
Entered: 12 h 15 min 10 s
